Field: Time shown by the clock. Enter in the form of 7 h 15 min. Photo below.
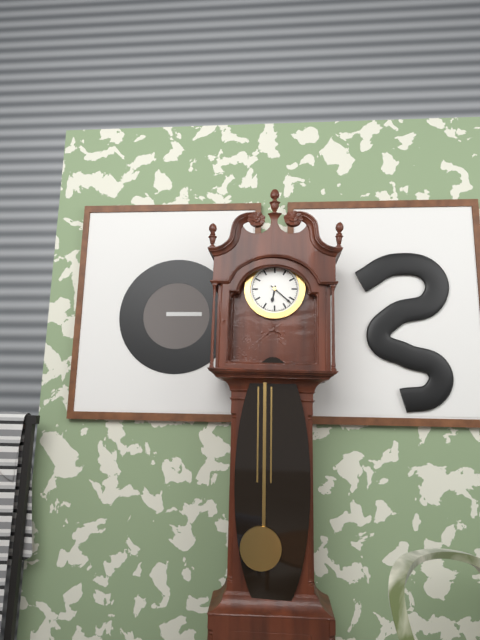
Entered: 6 h 22 min
